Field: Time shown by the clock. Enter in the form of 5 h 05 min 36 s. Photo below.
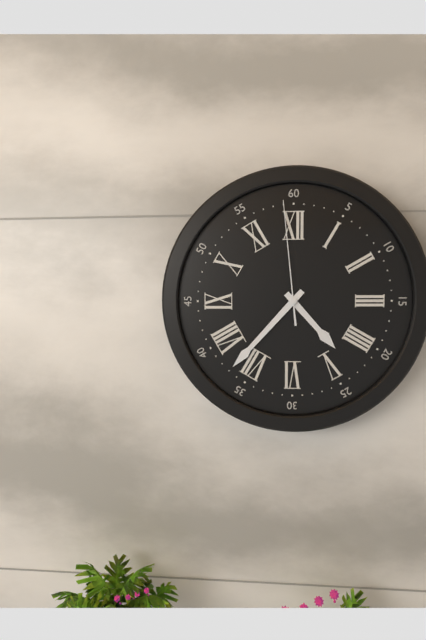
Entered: 4 h 37 min 59 s
